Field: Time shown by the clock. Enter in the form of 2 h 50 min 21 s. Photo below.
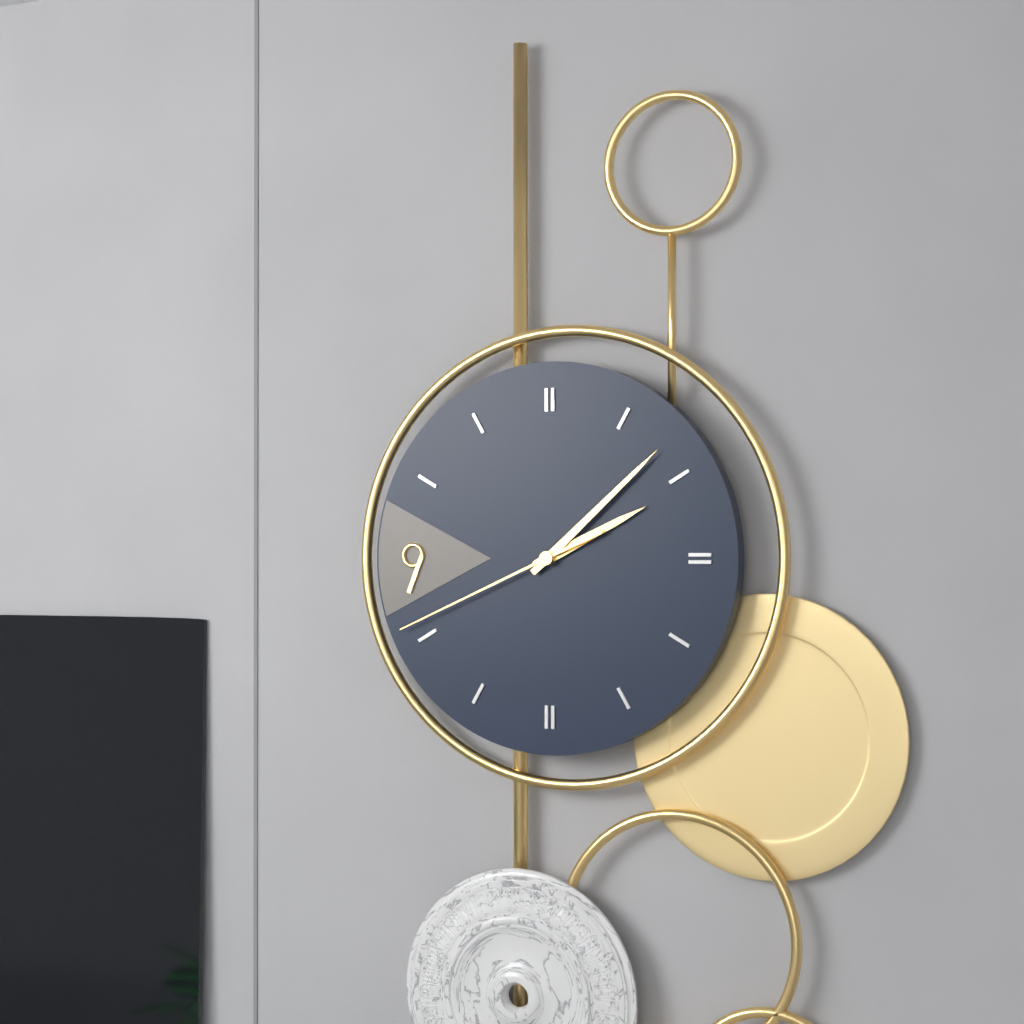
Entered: 2 h 08 min 41 s
